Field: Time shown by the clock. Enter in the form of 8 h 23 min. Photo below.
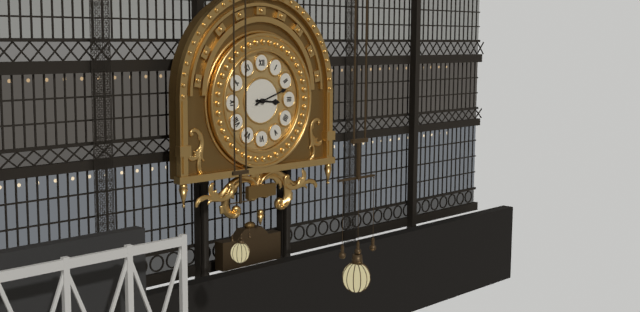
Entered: 3 h 12 min
